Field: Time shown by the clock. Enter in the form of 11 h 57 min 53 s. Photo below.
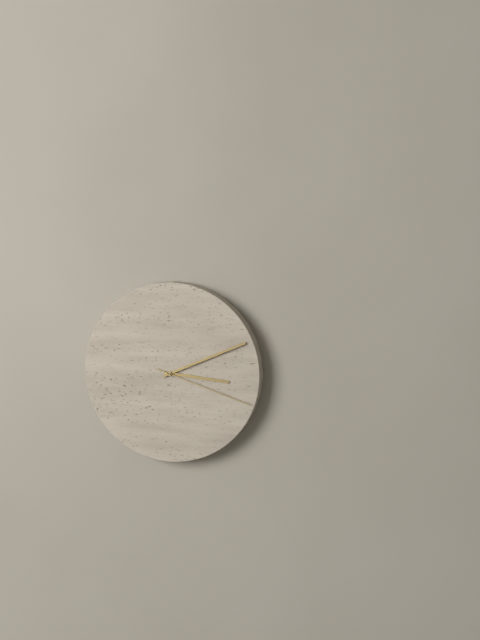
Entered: 3 h 11 min 18 s
